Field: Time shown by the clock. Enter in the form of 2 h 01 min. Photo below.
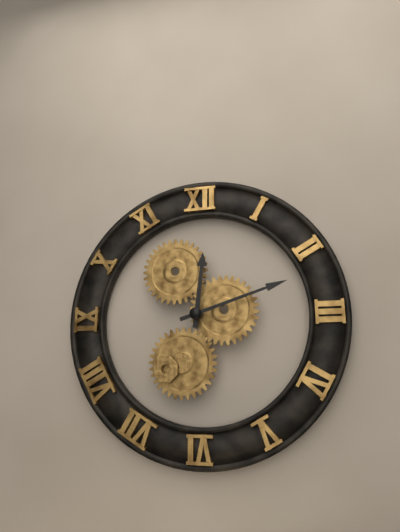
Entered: 12 h 12 min
